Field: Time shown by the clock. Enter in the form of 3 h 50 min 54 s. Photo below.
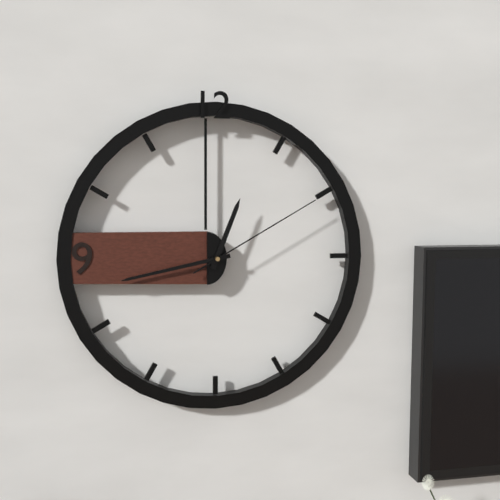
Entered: 12 h 43 min 10 s
